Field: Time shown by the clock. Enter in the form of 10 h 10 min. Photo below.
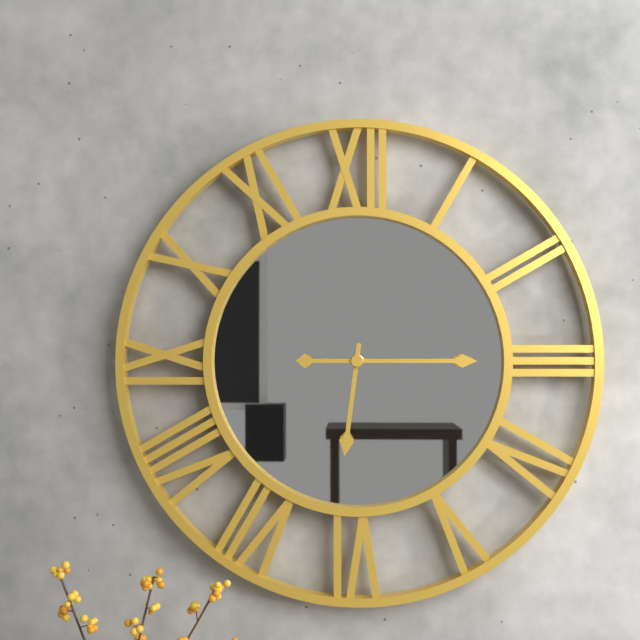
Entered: 6 h 15 min
